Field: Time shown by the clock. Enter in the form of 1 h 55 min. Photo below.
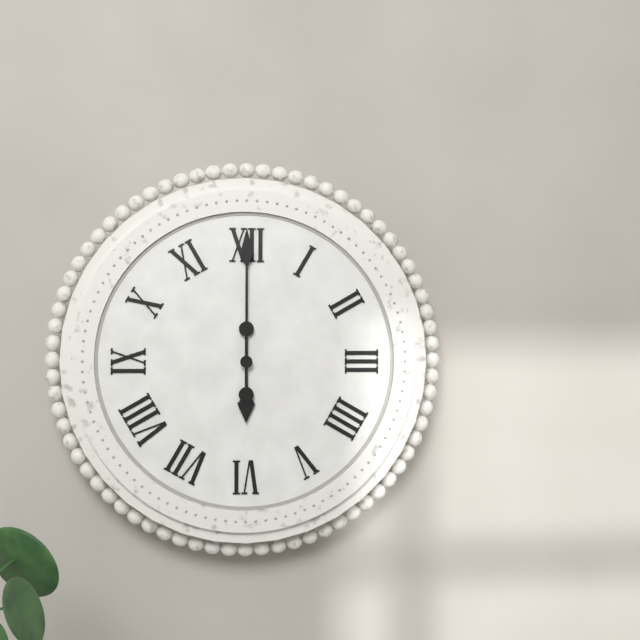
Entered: 6 h 00 min
